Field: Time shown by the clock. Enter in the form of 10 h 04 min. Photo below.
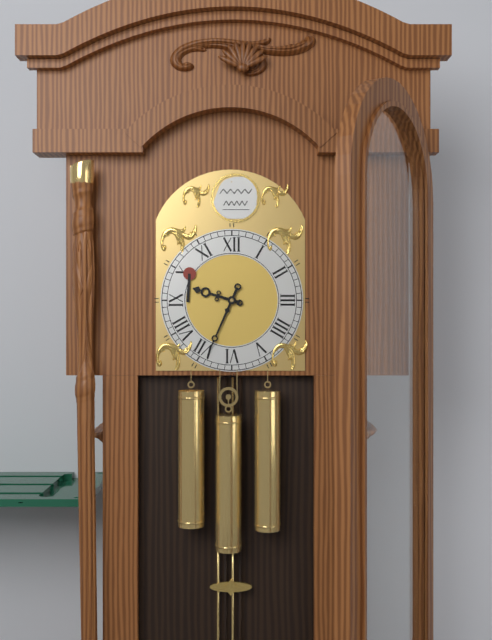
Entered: 9 h 34 min
